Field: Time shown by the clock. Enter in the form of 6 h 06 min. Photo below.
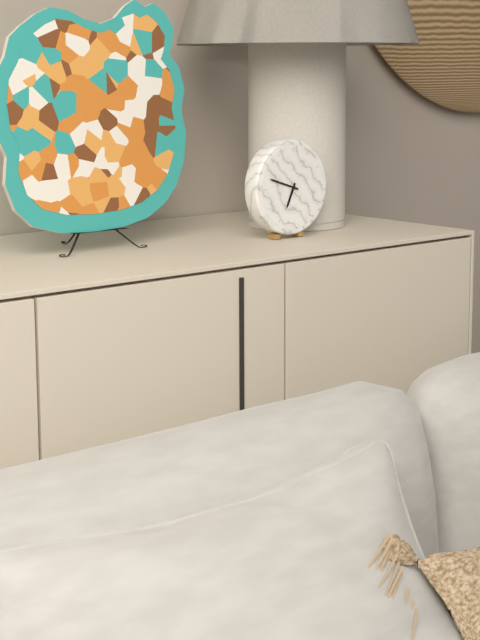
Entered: 6 h 48 min
